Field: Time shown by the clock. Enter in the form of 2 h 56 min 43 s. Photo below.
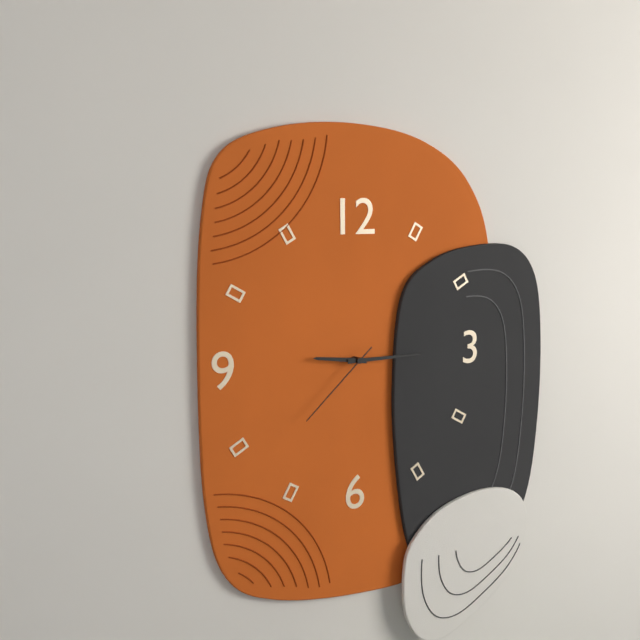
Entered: 9 h 15 min 38 s
